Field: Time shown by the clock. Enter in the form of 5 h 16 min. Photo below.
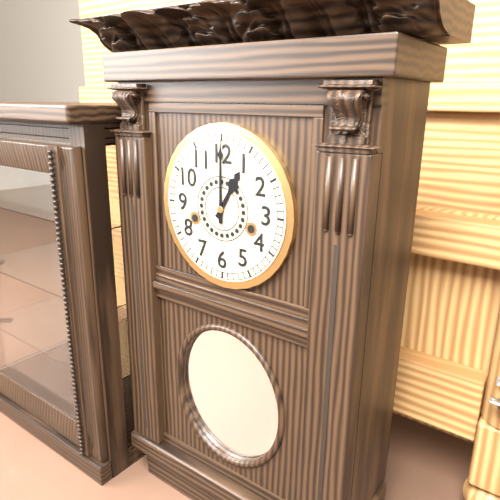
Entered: 1 h 00 min
